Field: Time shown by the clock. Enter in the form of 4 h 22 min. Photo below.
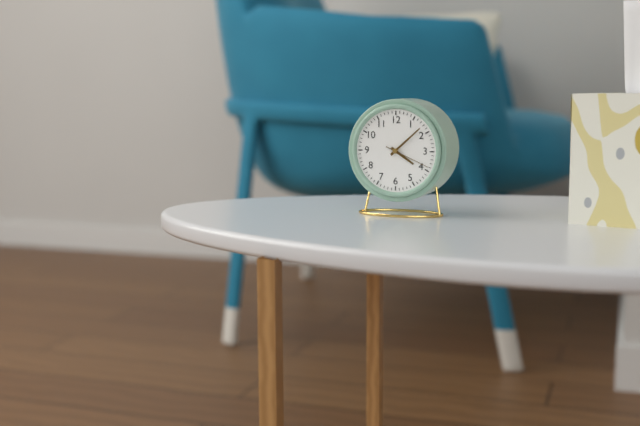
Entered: 4 h 08 min
